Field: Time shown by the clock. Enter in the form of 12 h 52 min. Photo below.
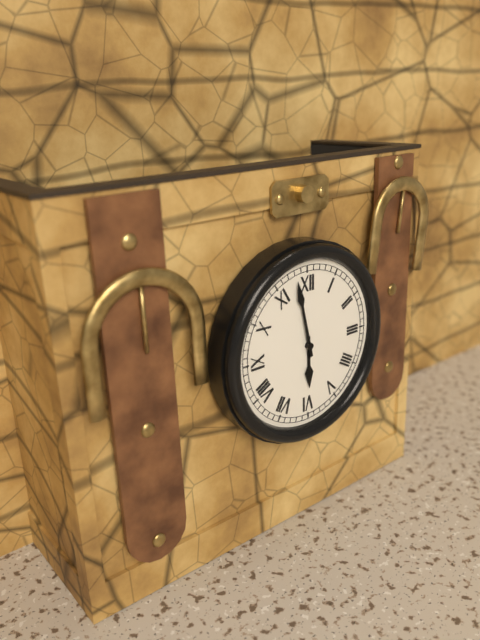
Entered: 5 h 58 min
